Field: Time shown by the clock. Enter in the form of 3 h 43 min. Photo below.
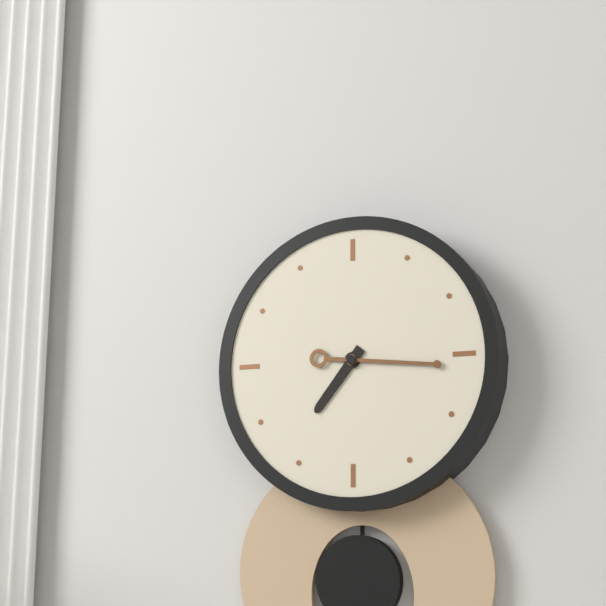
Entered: 7 h 16 min
